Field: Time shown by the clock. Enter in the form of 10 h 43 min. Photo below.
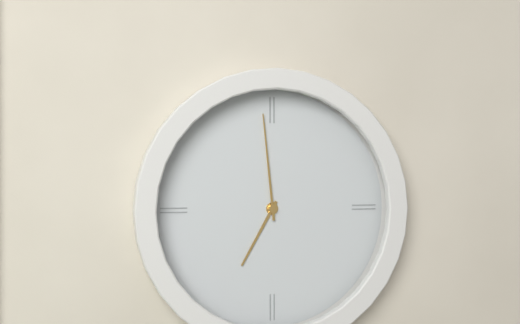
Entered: 6 h 59 min
